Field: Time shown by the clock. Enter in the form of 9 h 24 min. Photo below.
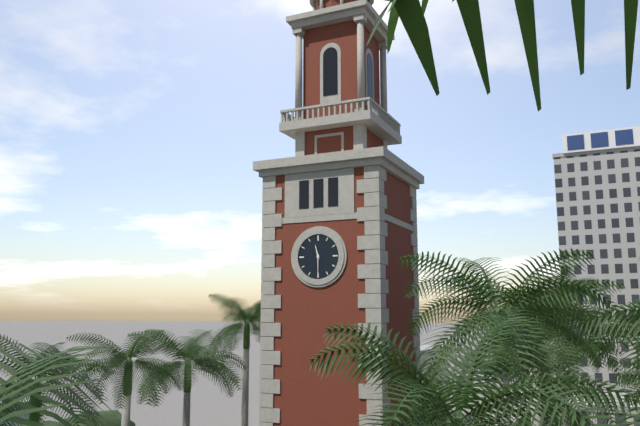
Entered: 11 h 30 min
